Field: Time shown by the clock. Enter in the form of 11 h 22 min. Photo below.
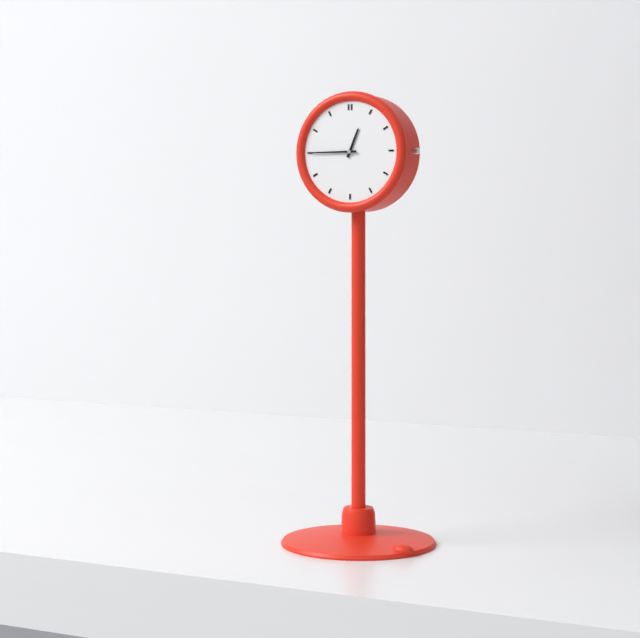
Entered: 12 h 45 min
